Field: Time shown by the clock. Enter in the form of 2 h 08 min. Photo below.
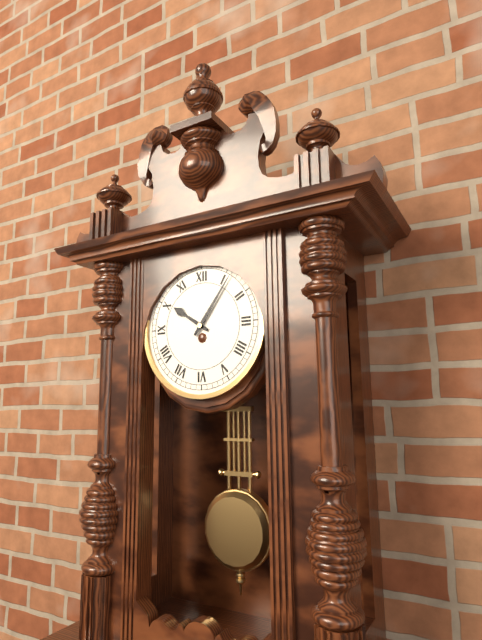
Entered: 10 h 06 min
